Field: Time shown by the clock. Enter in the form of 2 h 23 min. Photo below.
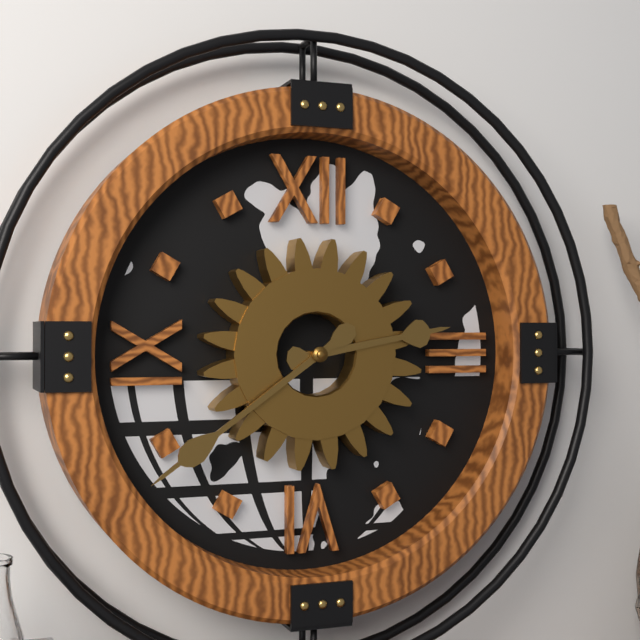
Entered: 2 h 39 min
